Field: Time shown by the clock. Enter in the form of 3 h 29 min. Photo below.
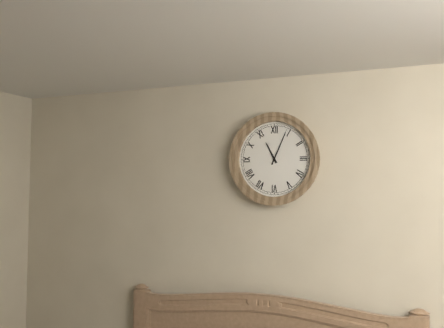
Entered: 11 h 04 min
